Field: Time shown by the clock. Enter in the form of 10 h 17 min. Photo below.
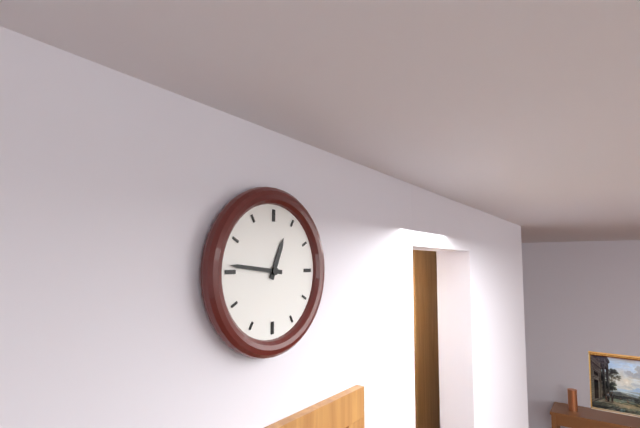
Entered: 12 h 46 min
